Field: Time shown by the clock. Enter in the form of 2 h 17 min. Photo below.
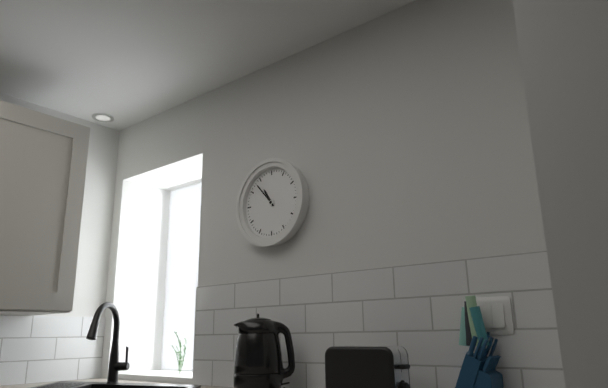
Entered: 10 h 53 min
